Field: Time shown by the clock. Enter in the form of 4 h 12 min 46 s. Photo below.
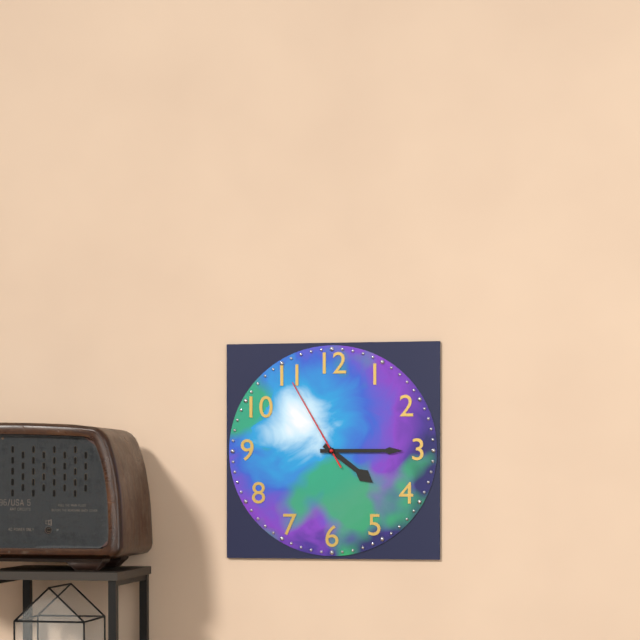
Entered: 4 h 15 min 55 s
